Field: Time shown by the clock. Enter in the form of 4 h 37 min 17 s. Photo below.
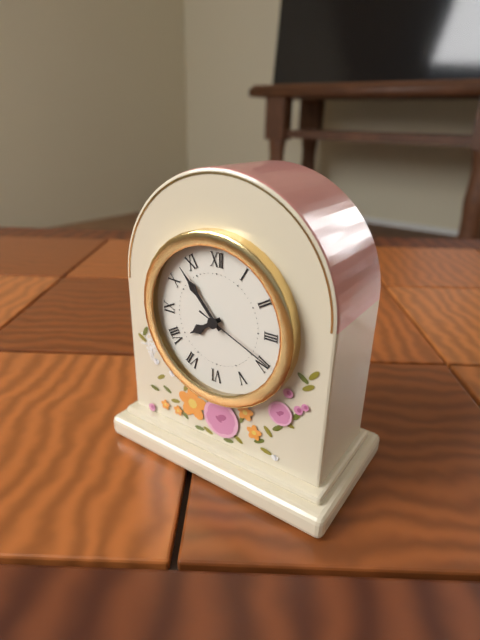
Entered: 7 h 53 min 19 s
